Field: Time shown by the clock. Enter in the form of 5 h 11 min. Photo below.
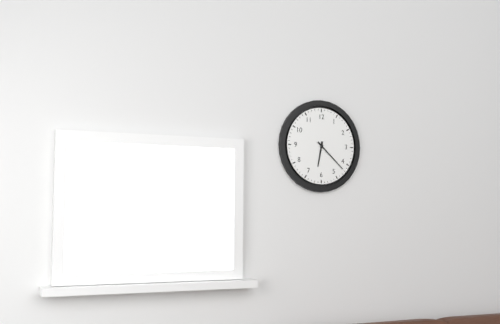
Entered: 6 h 22 min
